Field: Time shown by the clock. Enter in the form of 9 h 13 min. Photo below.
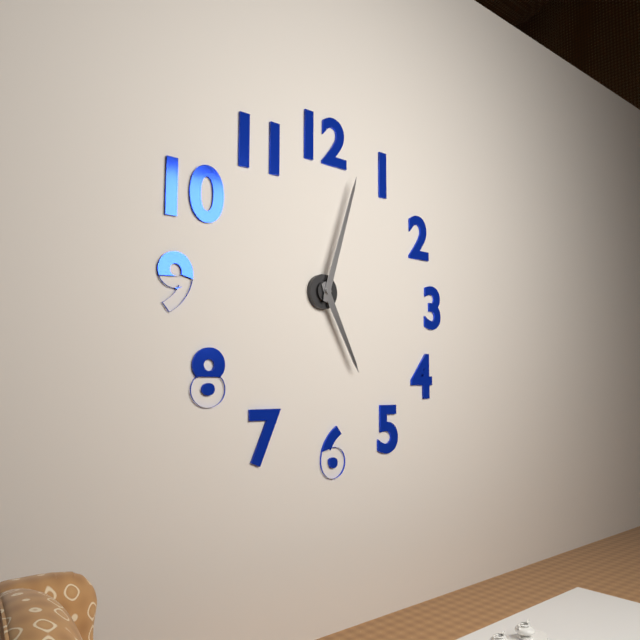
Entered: 5 h 03 min
